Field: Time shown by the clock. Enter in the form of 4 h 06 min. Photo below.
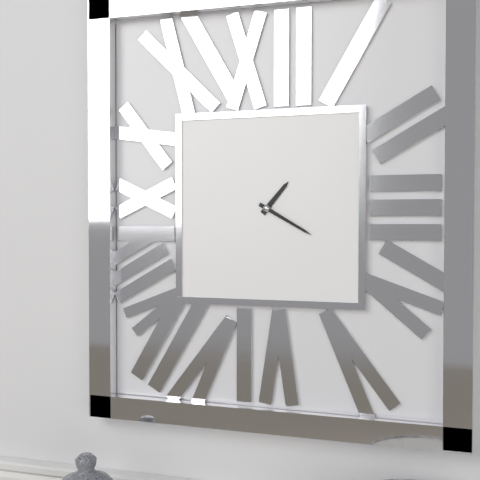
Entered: 1 h 20 min
